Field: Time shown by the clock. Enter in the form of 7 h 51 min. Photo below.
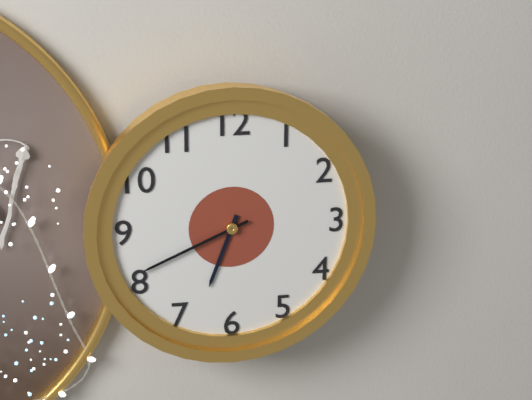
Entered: 6 h 41 min
